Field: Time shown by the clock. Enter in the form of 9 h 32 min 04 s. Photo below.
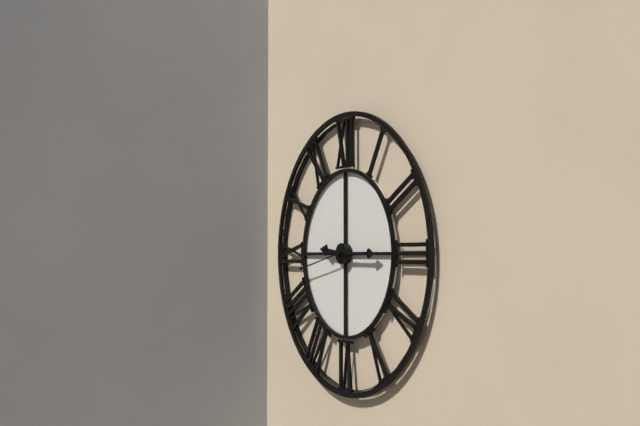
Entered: 9 h 15 min 43 s
